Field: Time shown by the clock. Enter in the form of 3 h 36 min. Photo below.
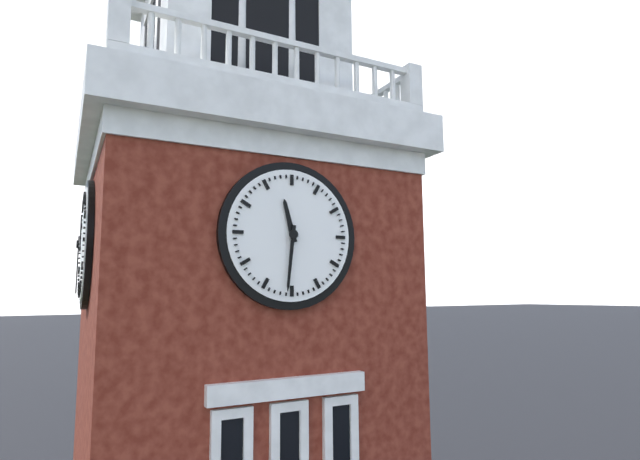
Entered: 11 h 31 min
